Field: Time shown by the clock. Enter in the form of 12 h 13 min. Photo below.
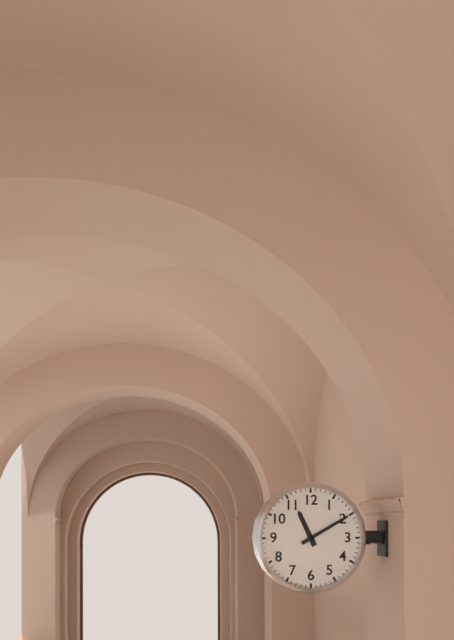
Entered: 11 h 10 min
